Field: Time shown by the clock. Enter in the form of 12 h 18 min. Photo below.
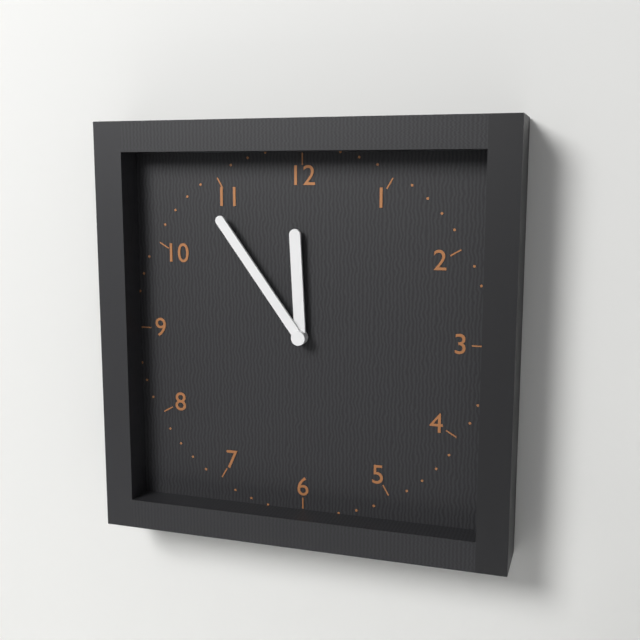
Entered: 11 h 54 min
